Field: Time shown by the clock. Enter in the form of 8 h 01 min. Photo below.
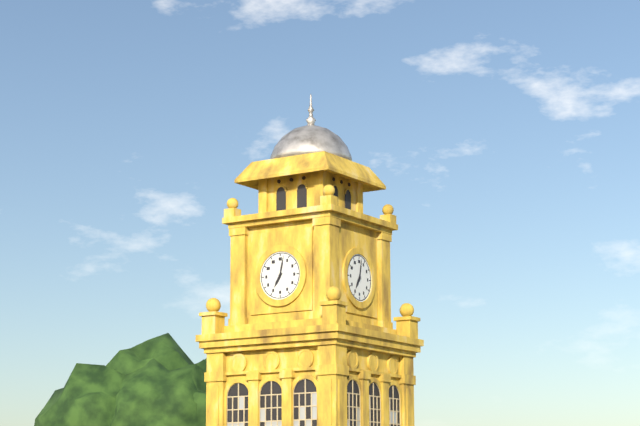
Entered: 7 h 02 min
